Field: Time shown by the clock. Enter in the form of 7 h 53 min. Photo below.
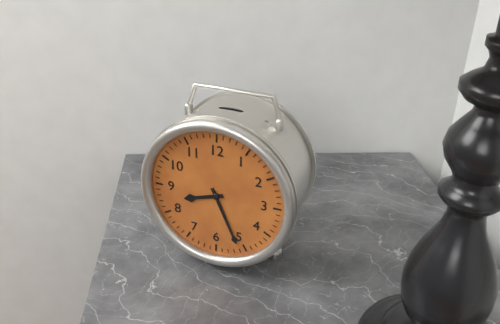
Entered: 8 h 26 min
